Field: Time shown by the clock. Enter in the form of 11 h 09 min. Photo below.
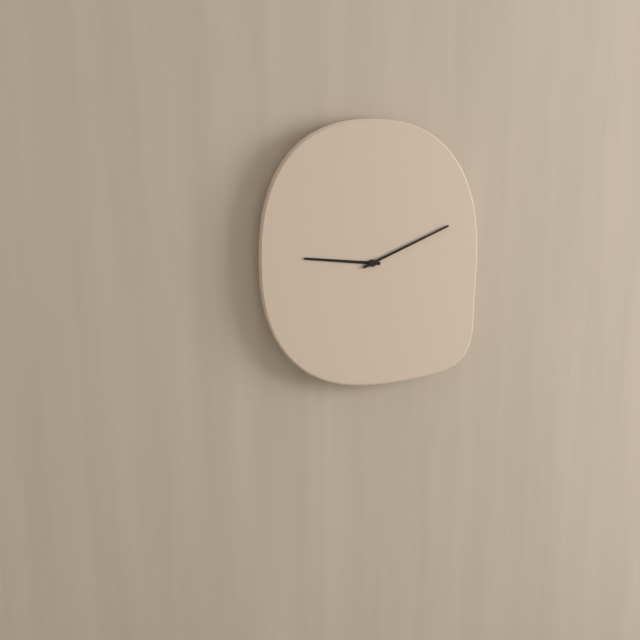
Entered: 9 h 11 min
